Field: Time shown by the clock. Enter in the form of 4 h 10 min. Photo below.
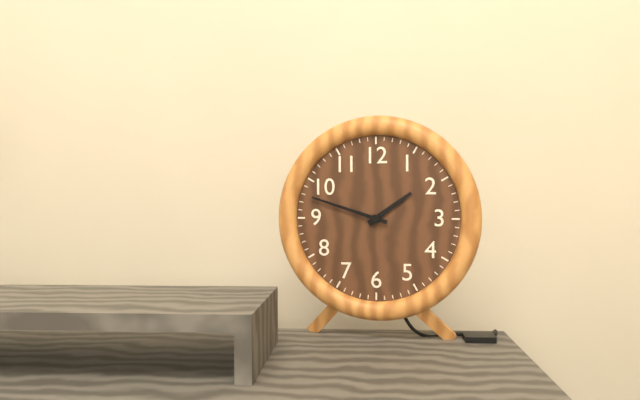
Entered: 1 h 48 min
